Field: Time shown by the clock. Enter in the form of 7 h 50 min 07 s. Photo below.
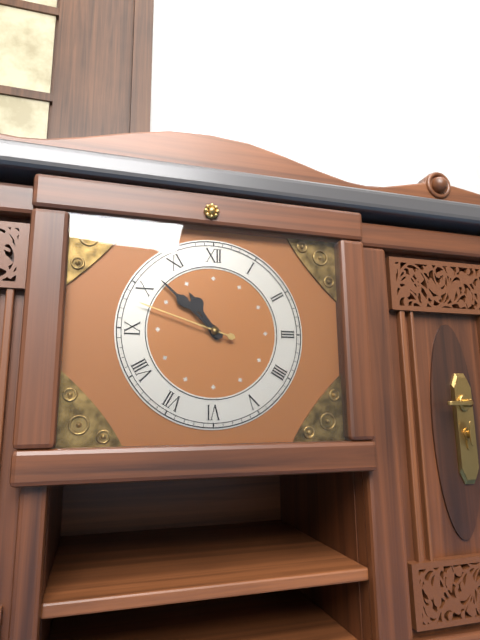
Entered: 10 h 52 min 48 s
